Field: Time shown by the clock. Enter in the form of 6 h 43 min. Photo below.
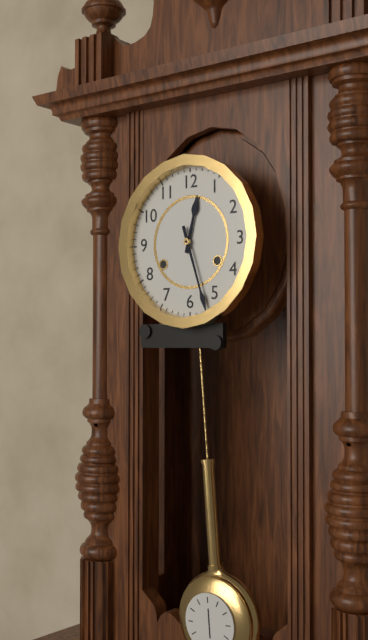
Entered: 12 h 27 min
